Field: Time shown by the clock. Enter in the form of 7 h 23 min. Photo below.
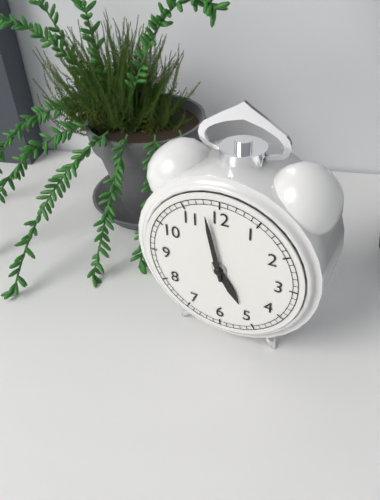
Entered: 4 h 58 min
